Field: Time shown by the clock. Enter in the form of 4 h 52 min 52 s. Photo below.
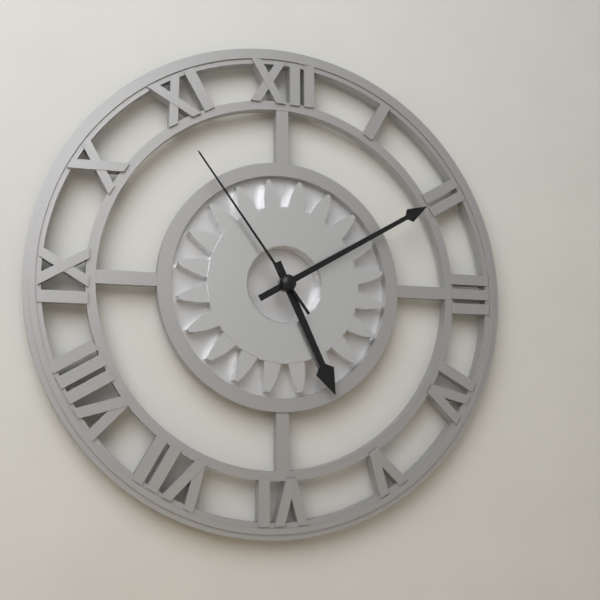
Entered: 5 h 10 min 54 s
